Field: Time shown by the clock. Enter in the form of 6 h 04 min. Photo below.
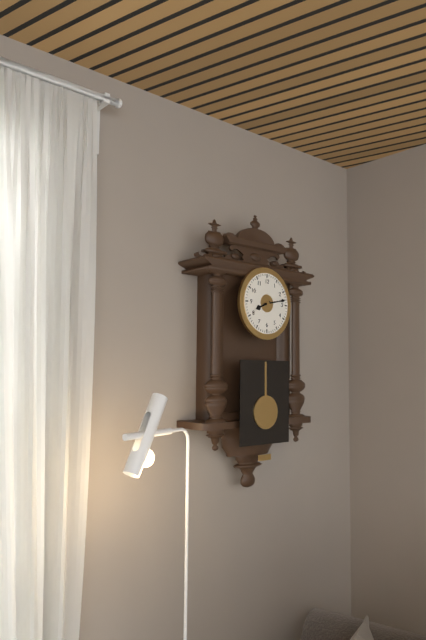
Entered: 8 h 13 min
